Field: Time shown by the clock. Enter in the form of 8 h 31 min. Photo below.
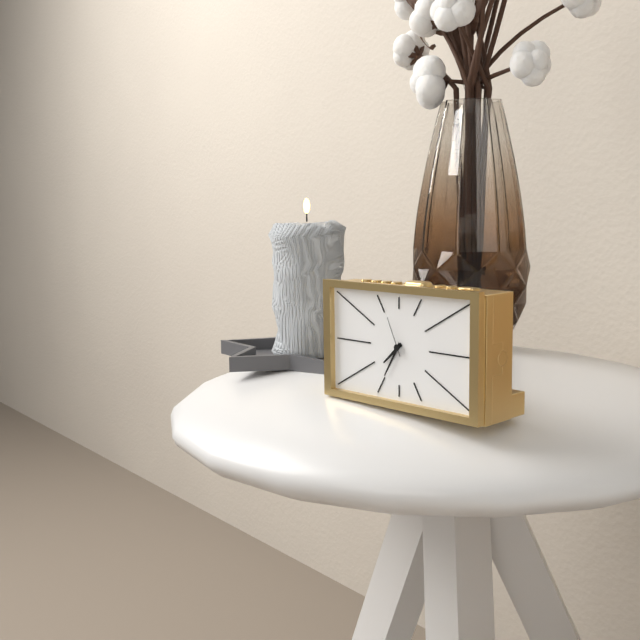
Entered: 7 h 35 min
